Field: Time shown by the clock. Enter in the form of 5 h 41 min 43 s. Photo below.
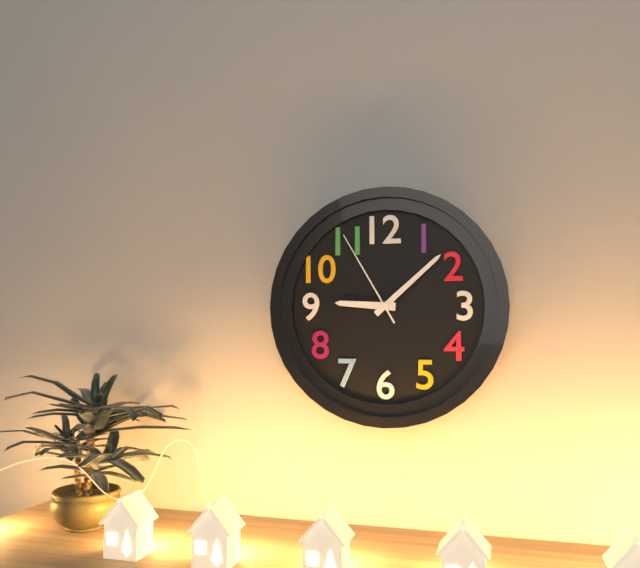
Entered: 9 h 08 min 55 s
